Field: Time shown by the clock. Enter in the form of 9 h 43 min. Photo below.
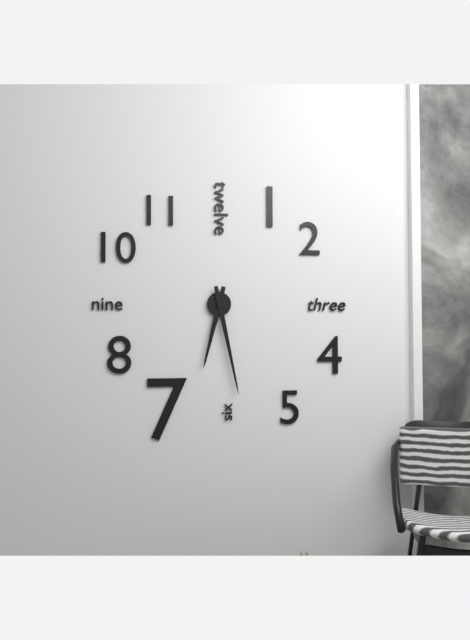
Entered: 6 h 28 min
